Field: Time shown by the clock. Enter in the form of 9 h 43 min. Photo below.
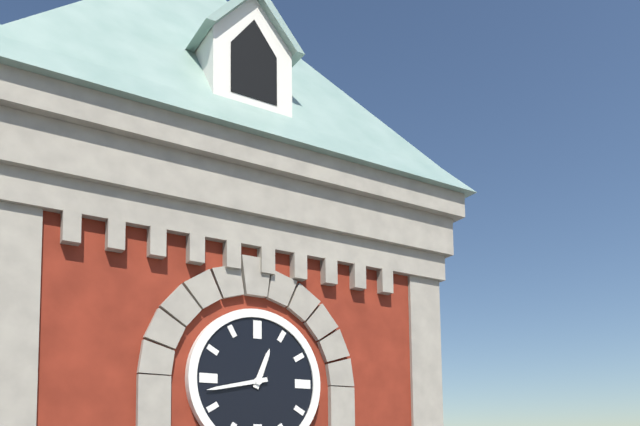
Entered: 12 h 43 min
